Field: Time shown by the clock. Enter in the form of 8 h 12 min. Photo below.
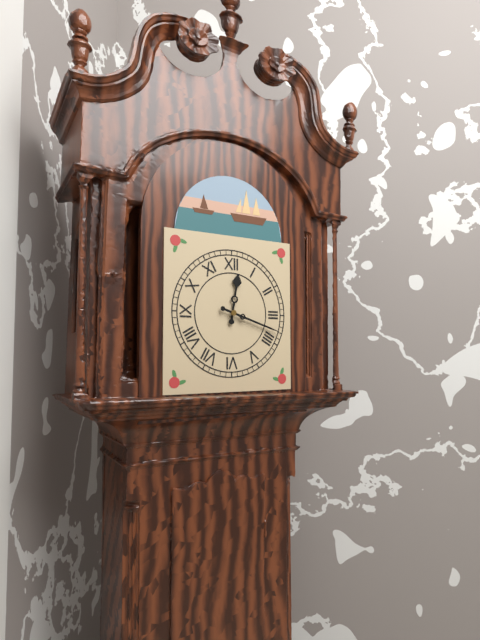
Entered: 12 h 18 min
